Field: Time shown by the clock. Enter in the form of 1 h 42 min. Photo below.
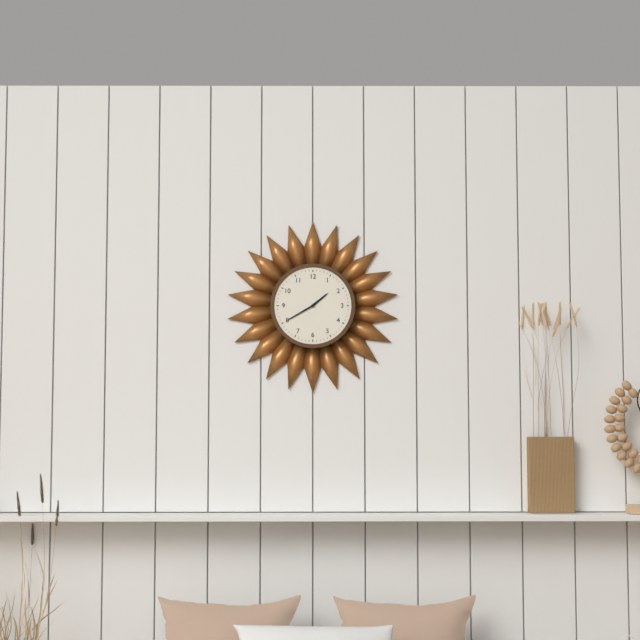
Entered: 1 h 40 min
